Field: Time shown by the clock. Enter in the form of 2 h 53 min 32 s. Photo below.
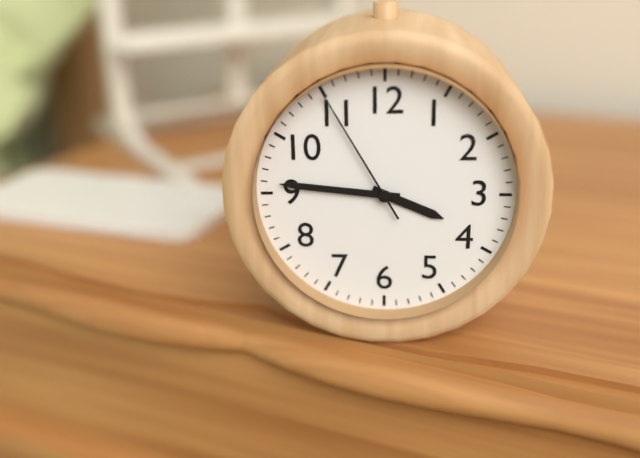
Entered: 3 h 46 min 55 s
